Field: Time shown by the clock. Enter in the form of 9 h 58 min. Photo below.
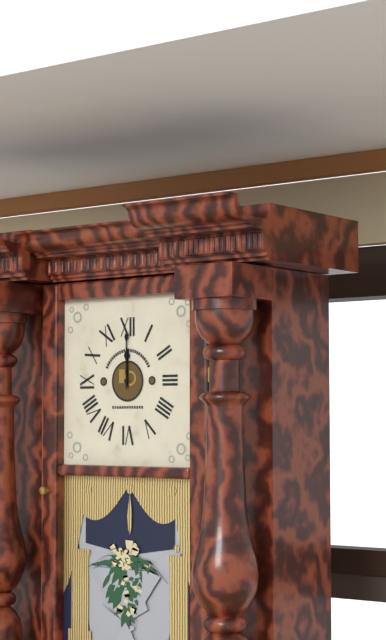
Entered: 12 h 00 min
